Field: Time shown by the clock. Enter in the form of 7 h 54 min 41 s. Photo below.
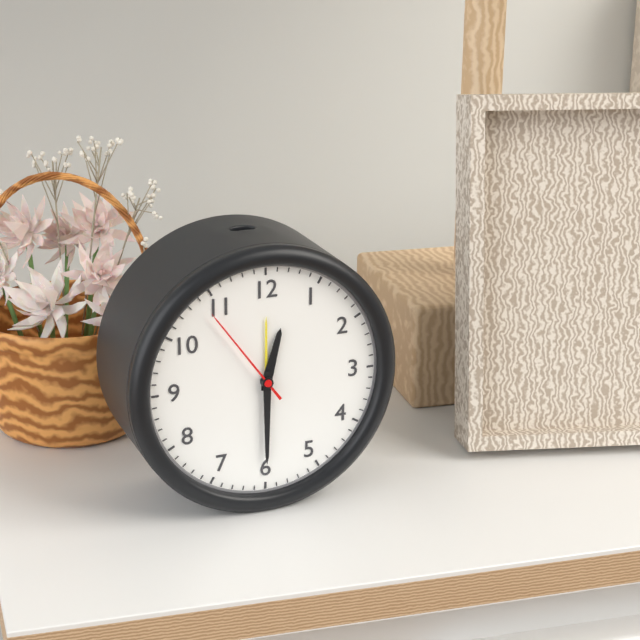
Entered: 12 h 30 min 54 s
